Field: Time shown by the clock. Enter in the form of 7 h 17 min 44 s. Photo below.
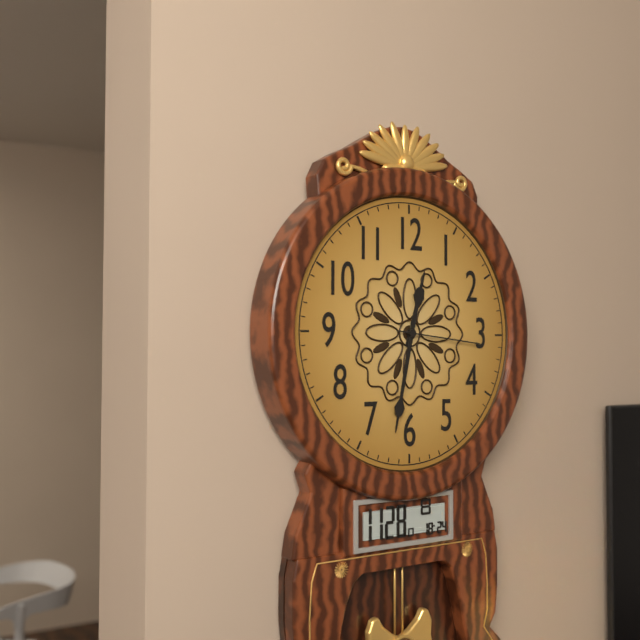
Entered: 12 h 32 min 16 s
